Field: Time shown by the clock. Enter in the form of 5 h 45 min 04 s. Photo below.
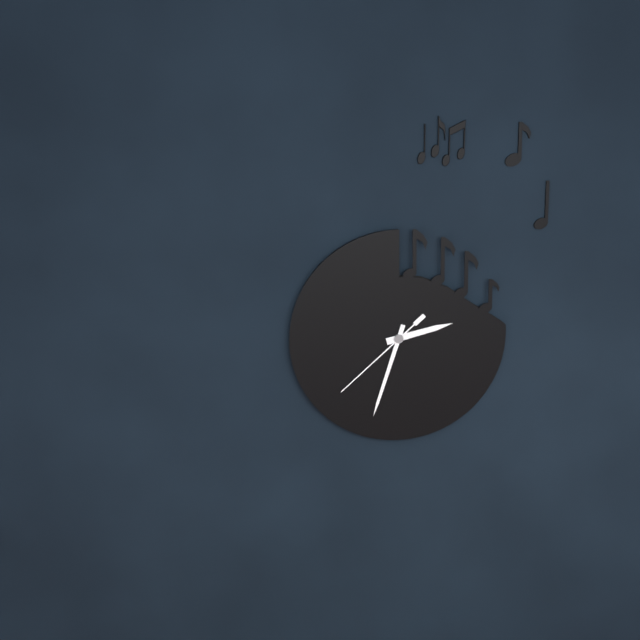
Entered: 2 h 33 min 38 s
